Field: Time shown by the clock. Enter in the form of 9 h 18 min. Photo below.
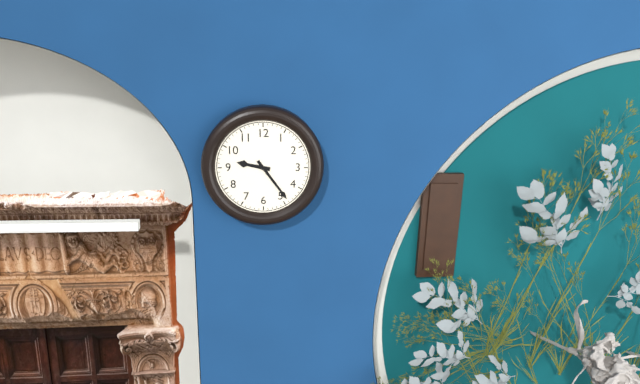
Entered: 9 h 24 min
